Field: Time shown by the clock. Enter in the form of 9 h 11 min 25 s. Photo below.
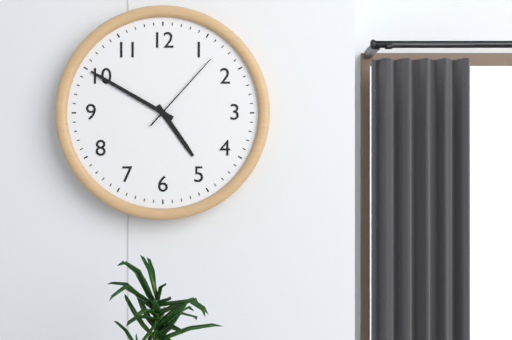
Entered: 4 h 50 min 07 s
